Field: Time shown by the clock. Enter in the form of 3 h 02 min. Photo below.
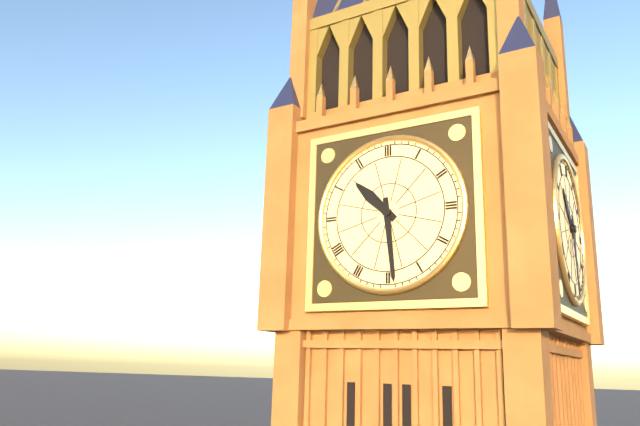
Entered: 10 h 29 min
